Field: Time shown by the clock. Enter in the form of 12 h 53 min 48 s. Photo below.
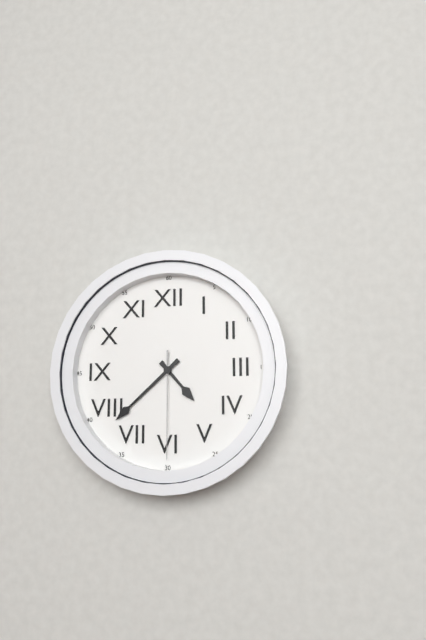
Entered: 4 h 38 min 30 s
